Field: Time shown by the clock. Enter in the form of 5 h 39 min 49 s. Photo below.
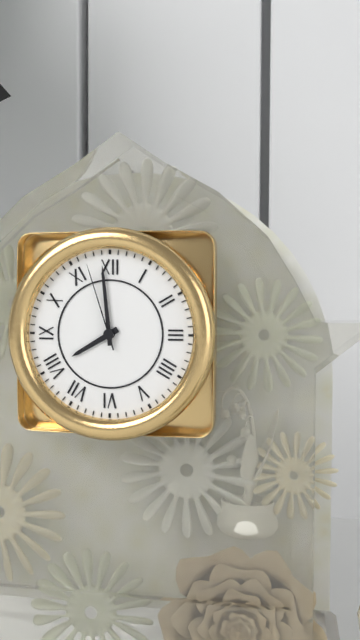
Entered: 7 h 59 min 57 s
